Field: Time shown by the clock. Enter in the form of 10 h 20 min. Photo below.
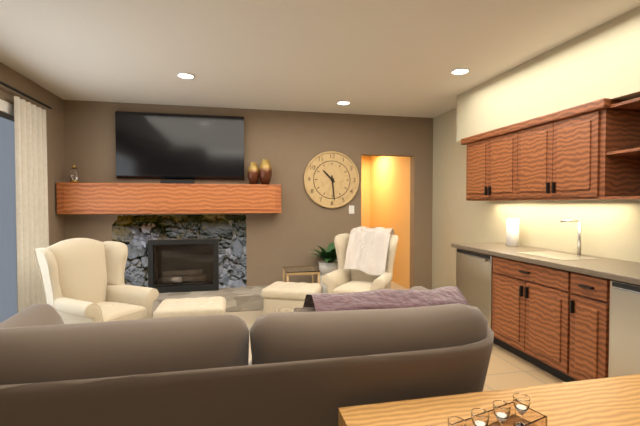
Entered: 10 h 29 min
